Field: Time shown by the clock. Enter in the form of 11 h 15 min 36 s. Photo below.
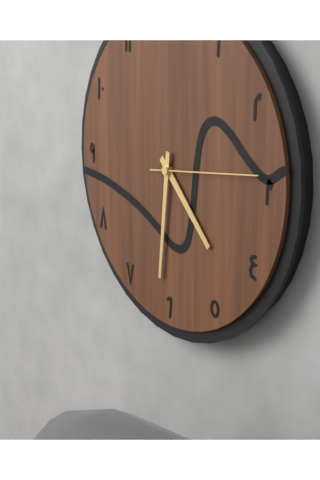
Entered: 4 h 31 min 14 s
